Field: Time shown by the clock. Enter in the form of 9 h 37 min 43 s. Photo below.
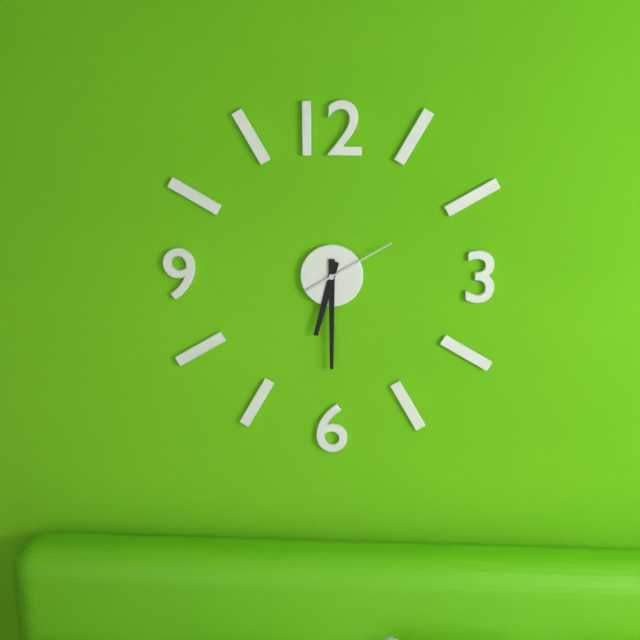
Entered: 6 h 30 min 10 s
